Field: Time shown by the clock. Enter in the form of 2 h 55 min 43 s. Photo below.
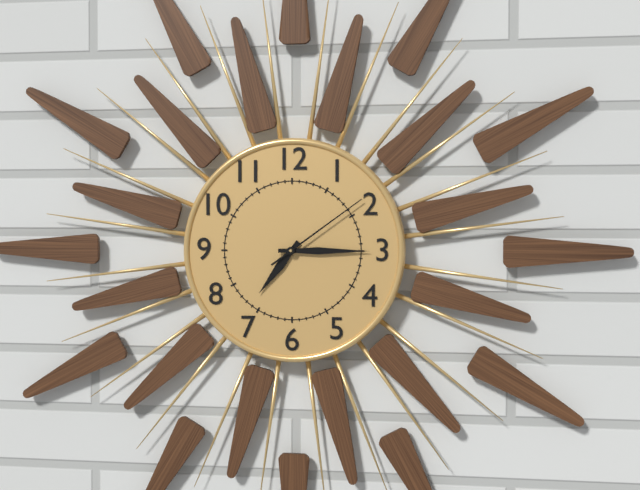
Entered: 7 h 15 min 09 s
